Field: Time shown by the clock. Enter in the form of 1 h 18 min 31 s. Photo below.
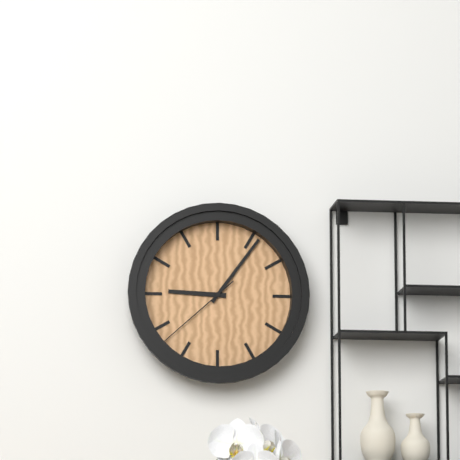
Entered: 9 h 06 min 38 s
